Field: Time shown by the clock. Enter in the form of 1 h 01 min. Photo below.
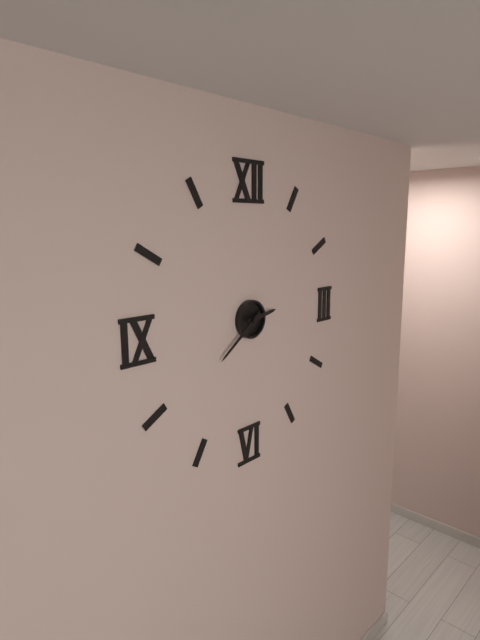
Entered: 2 h 39 min
